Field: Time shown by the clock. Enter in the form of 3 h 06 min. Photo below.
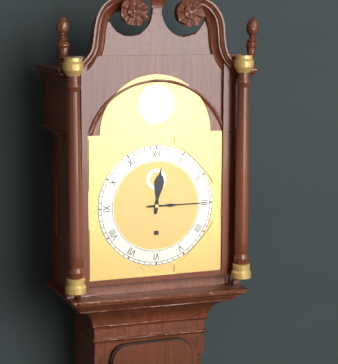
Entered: 12 h 15 min
